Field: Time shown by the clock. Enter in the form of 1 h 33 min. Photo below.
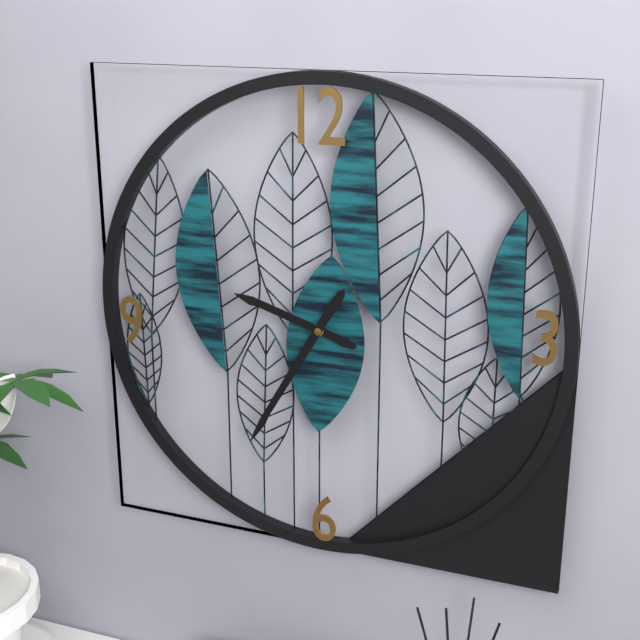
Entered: 9 h 35 min
